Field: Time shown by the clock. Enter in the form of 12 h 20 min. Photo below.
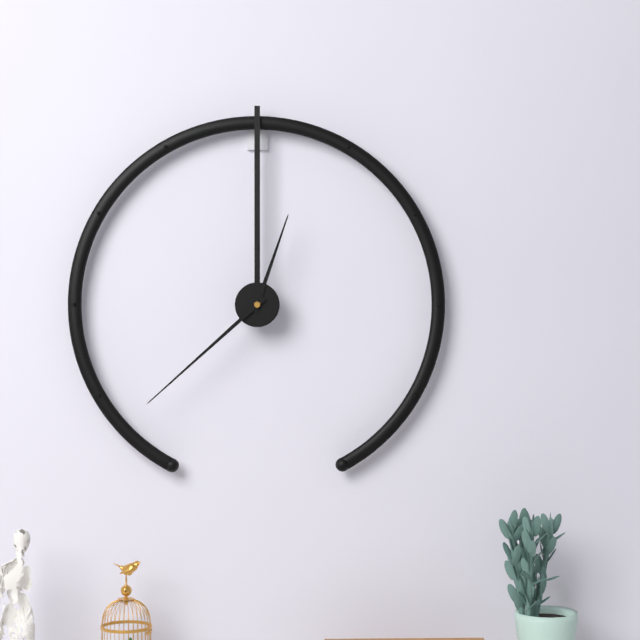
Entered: 12 h 38 min
